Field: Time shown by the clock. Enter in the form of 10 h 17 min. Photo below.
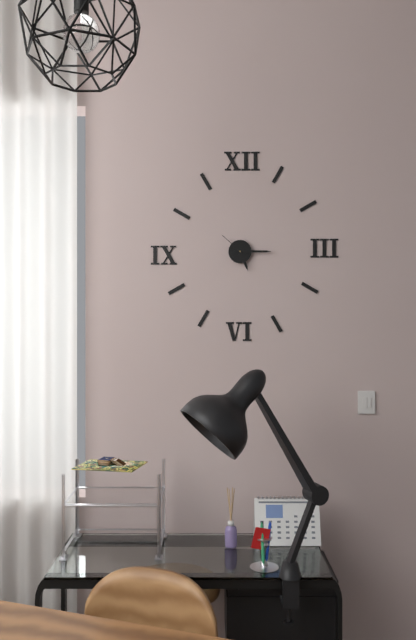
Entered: 5 h 15 min
